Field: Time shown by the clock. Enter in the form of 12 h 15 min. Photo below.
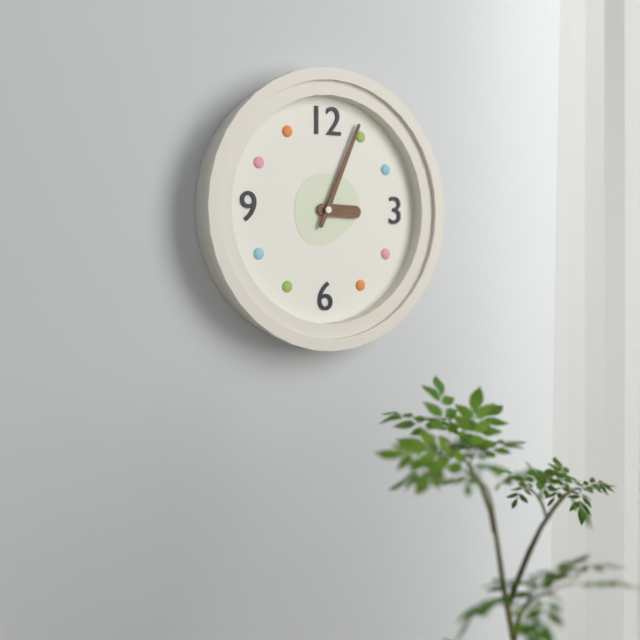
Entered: 3 h 04 min
